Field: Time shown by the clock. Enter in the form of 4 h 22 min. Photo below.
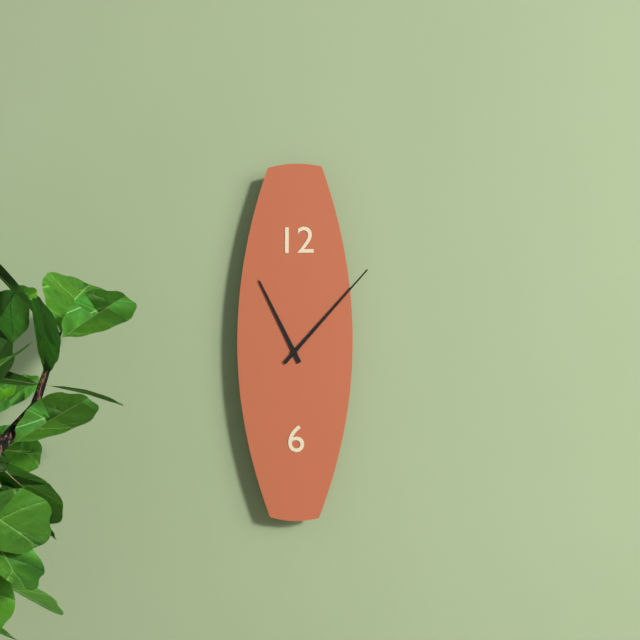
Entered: 11 h 07 min
